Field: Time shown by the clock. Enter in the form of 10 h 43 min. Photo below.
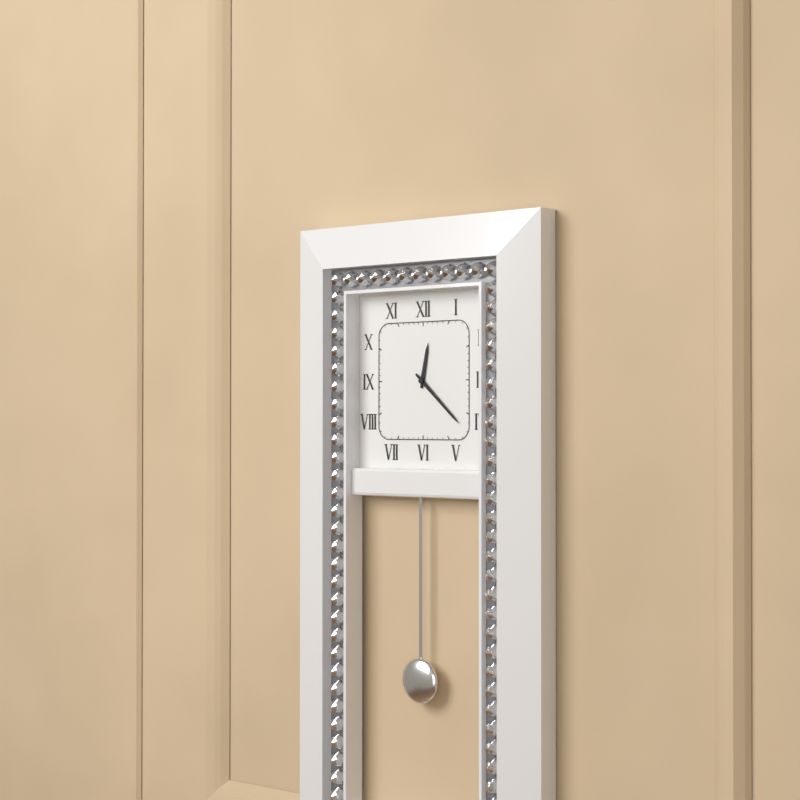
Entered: 12 h 22 min
